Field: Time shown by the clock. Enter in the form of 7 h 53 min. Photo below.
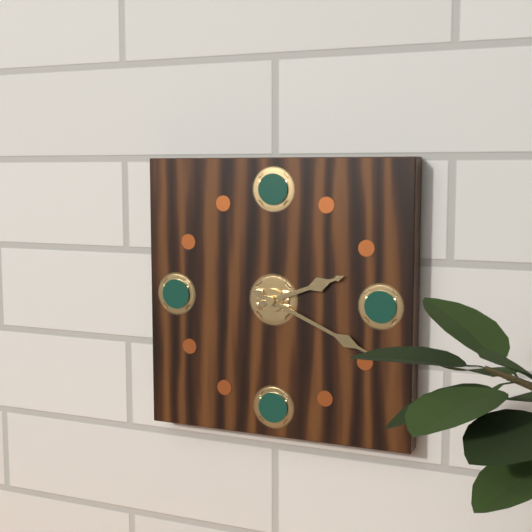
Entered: 2 h 19 min
